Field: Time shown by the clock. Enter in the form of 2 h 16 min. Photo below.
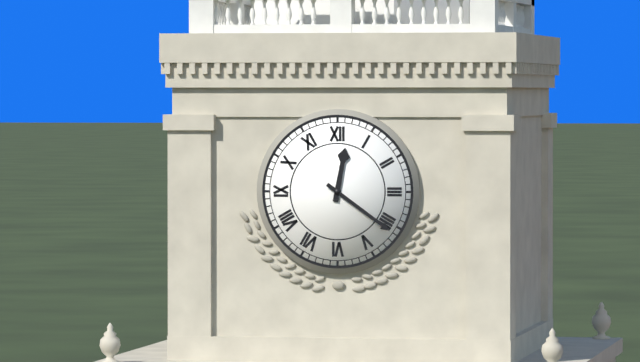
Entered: 12 h 21 min
